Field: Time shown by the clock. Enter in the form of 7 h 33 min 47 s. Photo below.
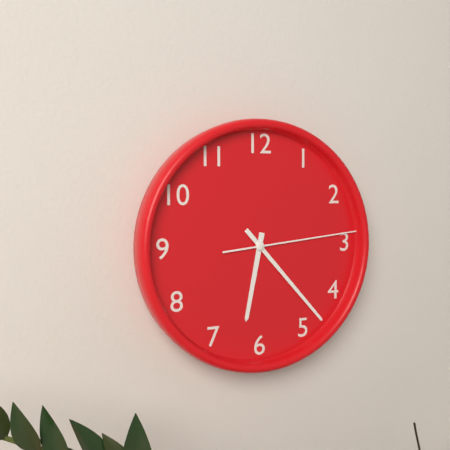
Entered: 6 h 23 min 14 s
